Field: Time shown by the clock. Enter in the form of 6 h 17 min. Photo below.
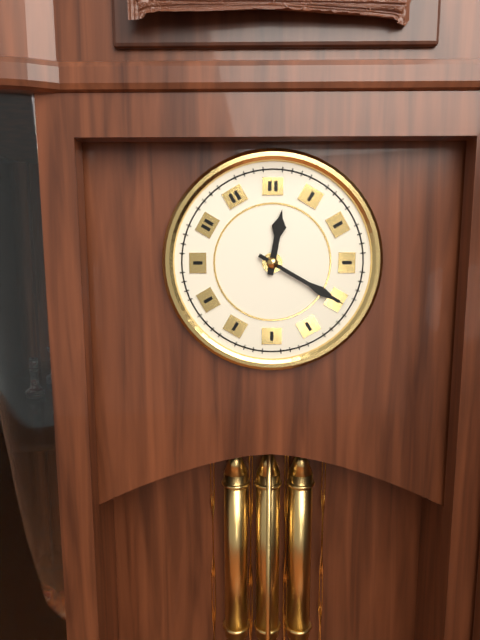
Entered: 12 h 20 min
